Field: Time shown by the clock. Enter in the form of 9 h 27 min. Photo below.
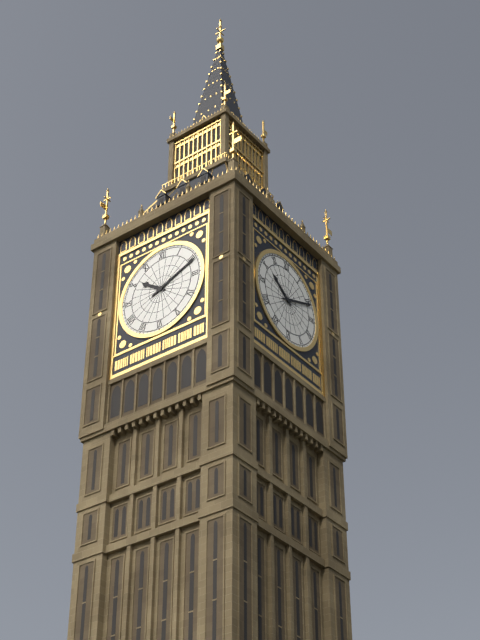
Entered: 10 h 11 min
